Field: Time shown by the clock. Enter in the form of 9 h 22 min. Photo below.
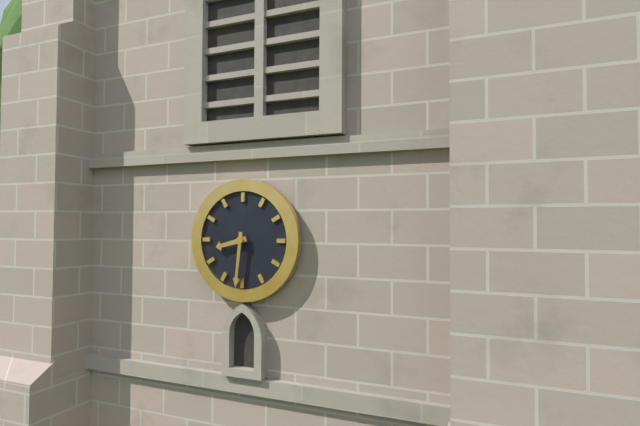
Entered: 8 h 31 min
